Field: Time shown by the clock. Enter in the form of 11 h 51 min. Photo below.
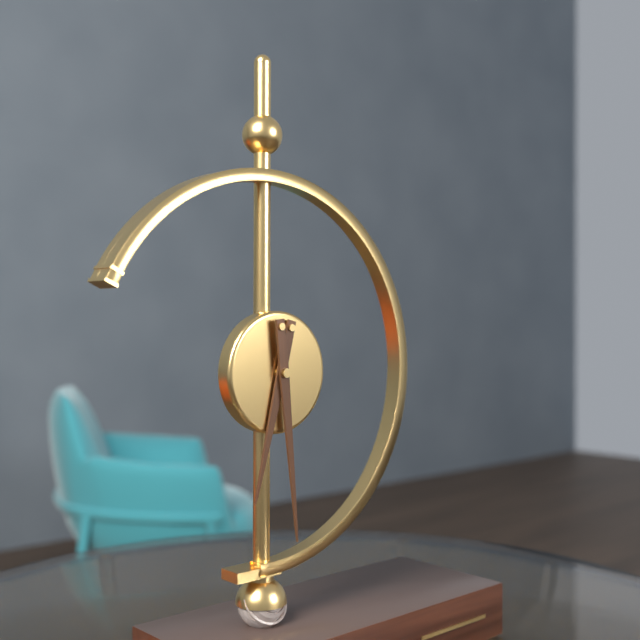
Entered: 6 h 29 min
